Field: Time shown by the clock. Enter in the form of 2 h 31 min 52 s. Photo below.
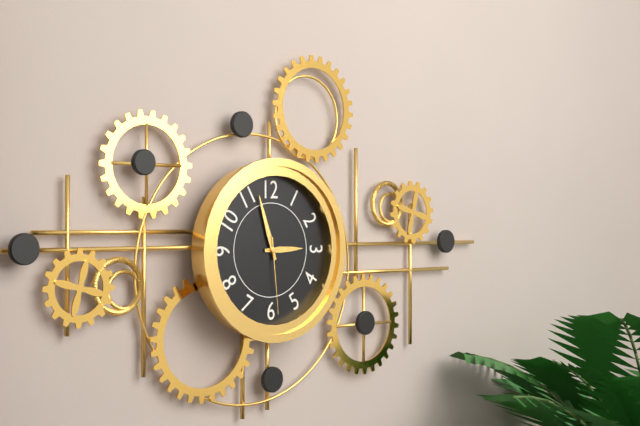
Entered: 2 h 57 min 29 s
